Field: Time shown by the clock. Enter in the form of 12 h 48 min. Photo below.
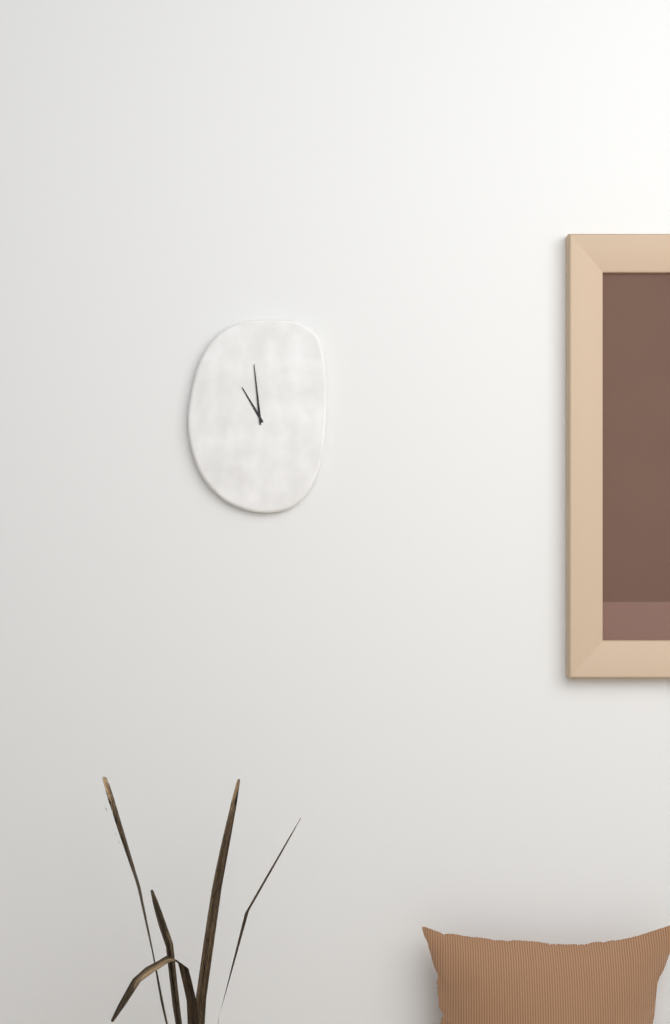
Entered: 10 h 59 min
